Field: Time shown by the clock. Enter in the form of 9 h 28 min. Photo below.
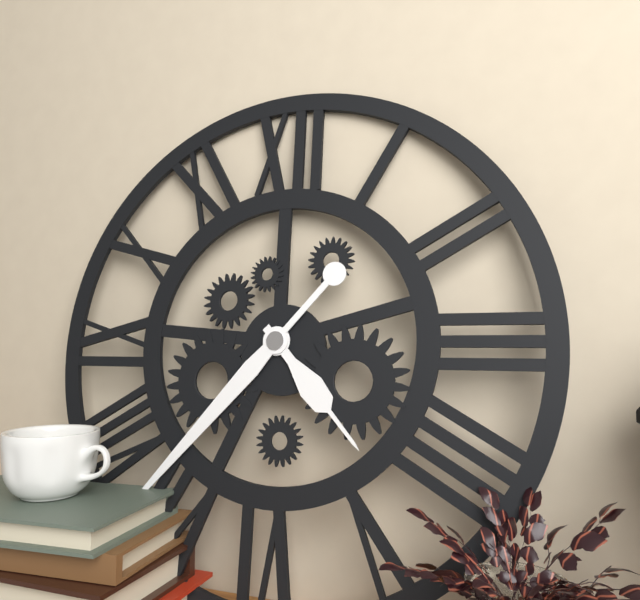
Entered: 4 h 37 min
